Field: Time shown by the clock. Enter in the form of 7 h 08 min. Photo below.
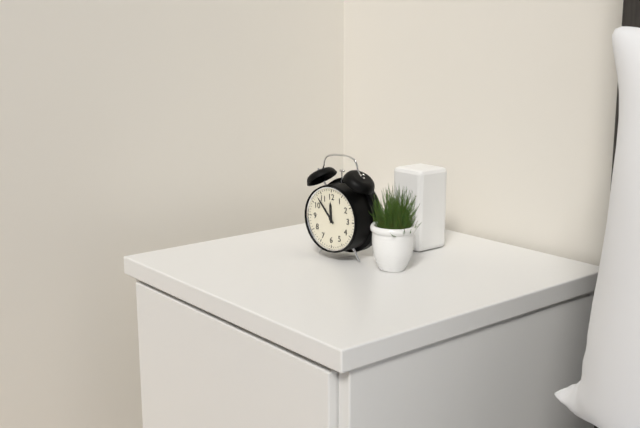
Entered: 11 h 53 min
